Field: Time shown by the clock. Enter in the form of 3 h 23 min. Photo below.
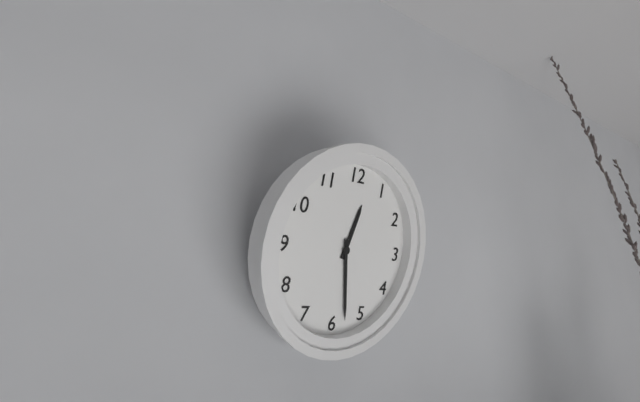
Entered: 12 h 28 min
